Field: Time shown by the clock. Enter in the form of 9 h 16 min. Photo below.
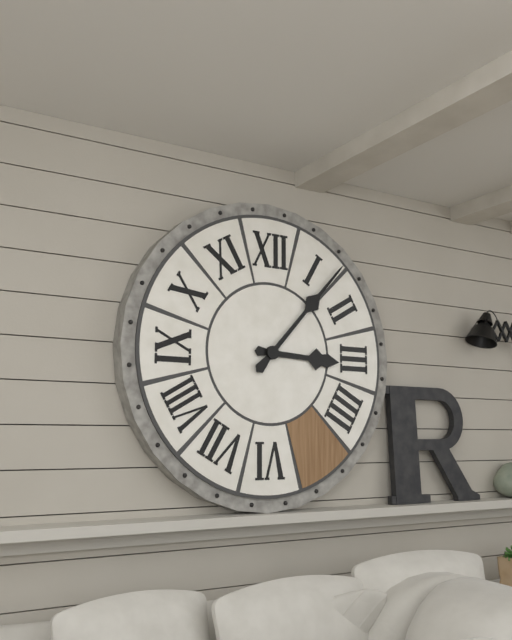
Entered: 3 h 07 min
